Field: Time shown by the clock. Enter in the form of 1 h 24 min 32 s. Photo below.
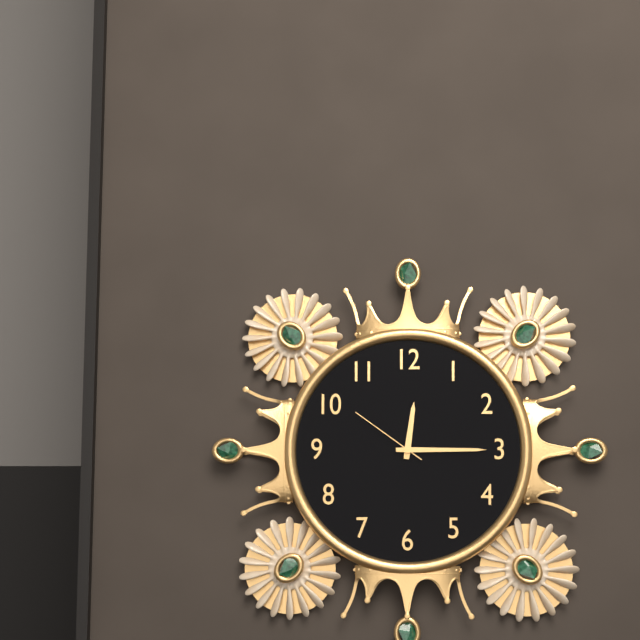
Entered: 12 h 15 min 51 s
